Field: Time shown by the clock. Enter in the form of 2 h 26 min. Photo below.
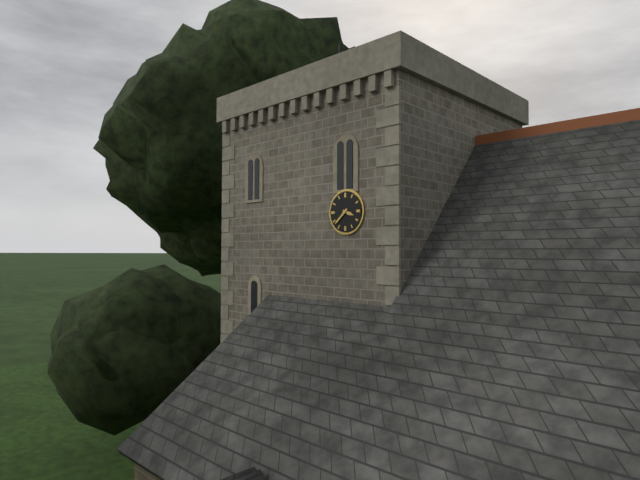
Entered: 3 h 38 min
